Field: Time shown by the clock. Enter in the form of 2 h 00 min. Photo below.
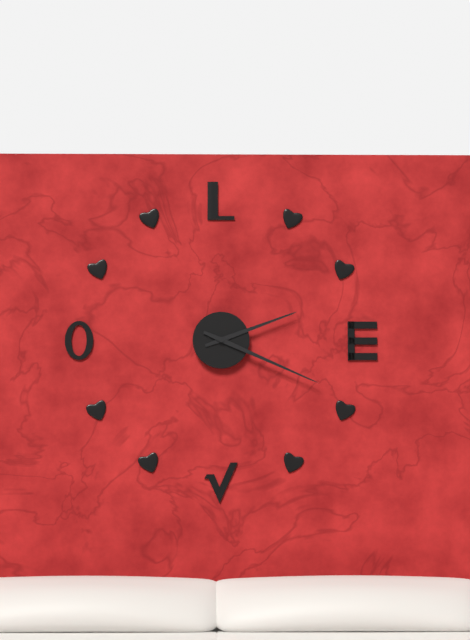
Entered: 2 h 19 min
